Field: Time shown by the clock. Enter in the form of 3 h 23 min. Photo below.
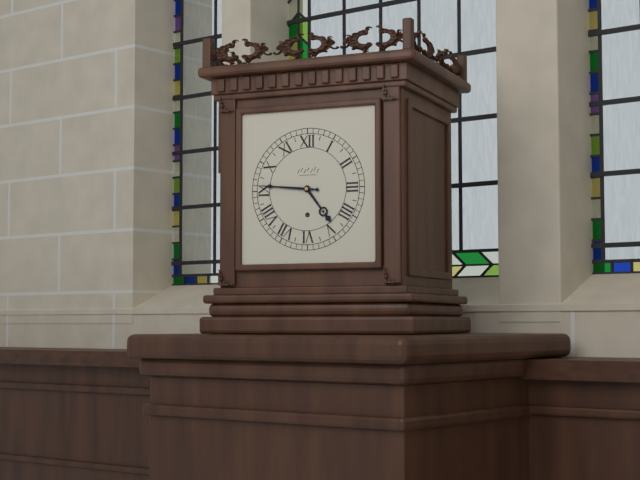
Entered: 4 h 46 min
